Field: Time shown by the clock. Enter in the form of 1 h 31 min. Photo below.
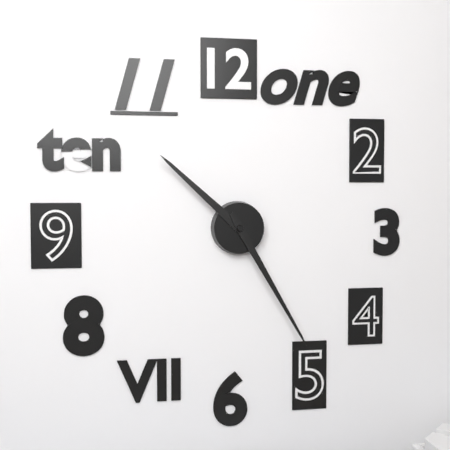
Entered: 10 h 25 min
